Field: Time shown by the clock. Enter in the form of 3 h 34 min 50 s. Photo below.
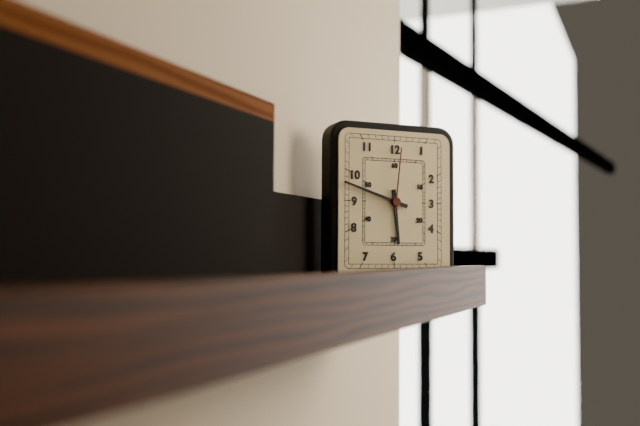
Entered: 5 h 48 min 01 s
